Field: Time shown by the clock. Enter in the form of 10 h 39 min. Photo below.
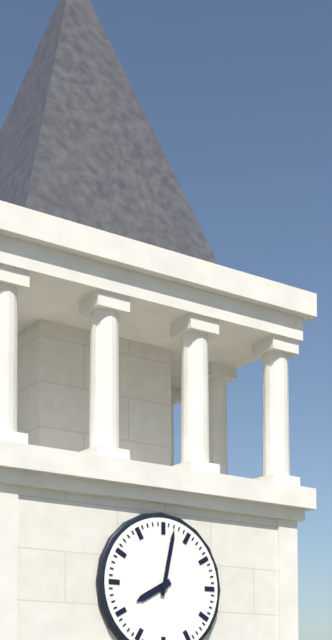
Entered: 8 h 02 min
